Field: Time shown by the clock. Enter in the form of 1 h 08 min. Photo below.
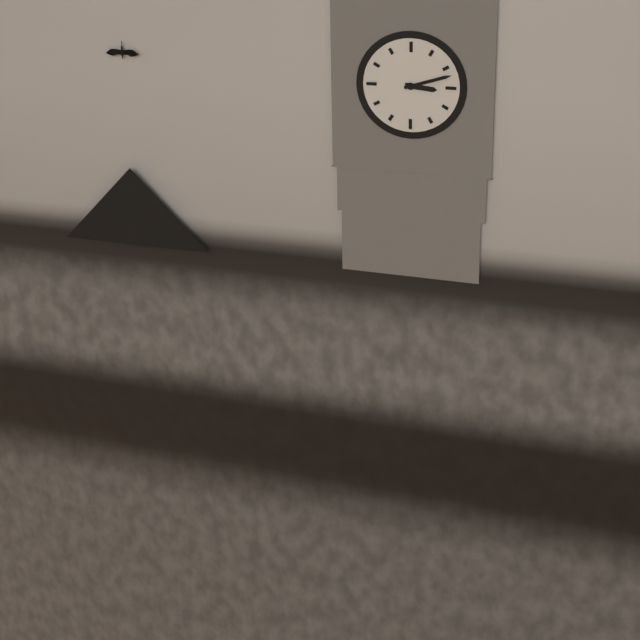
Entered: 3 h 12 min
